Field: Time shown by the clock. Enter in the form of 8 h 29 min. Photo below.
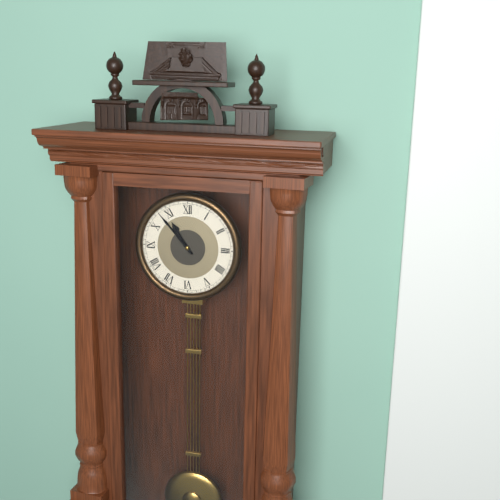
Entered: 10 h 53 min
